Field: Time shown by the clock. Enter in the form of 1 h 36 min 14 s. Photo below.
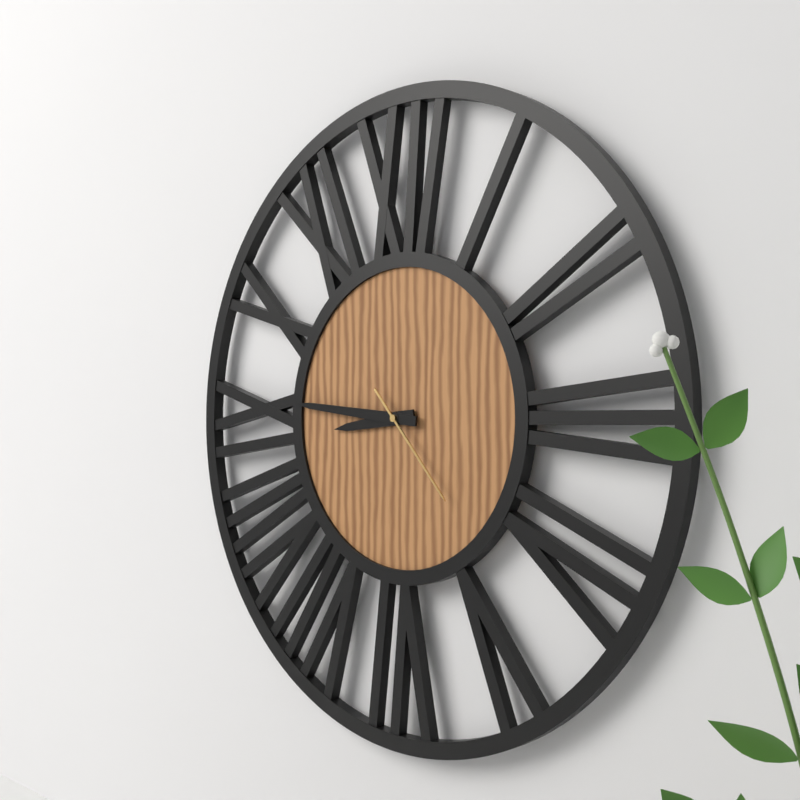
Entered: 8 h 46 min 23 s
